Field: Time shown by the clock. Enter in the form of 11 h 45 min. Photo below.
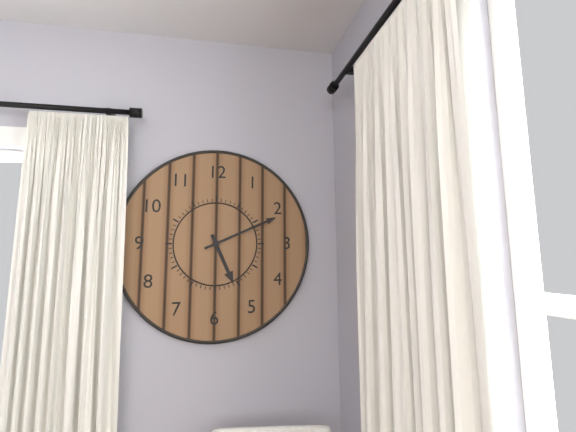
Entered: 5 h 11 min
